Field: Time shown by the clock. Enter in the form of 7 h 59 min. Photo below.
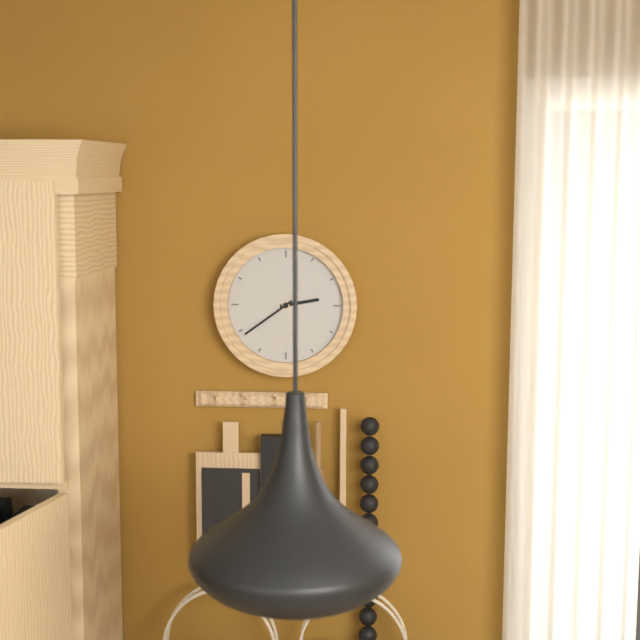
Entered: 2 h 39 min
